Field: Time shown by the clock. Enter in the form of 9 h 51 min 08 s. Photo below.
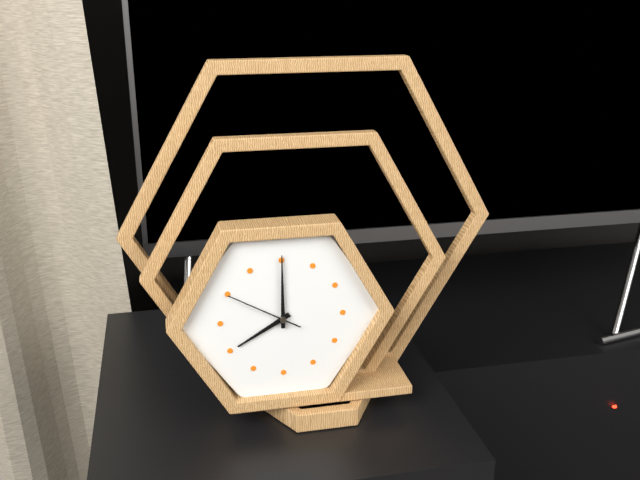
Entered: 8 h 00 min 50 s
